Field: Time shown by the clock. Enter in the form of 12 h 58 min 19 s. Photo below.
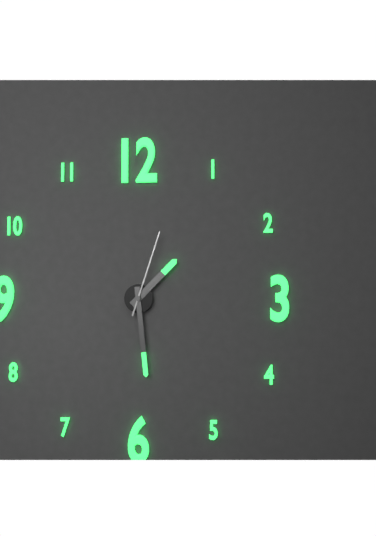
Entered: 1 h 29 min 03 s
